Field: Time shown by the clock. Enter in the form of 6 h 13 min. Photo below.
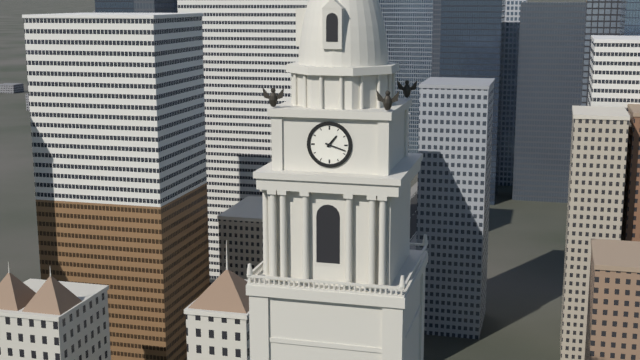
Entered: 1 h 18 min
